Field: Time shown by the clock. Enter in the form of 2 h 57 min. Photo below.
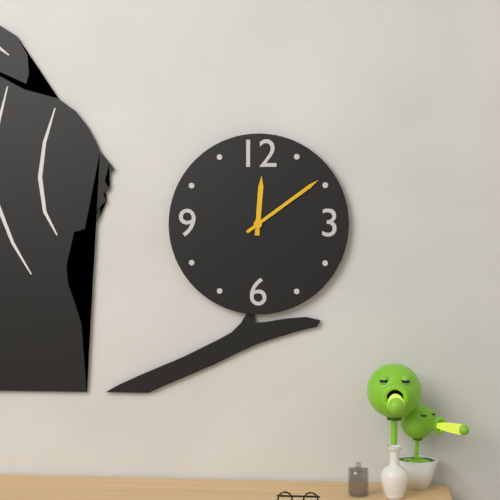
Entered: 12 h 09 min
